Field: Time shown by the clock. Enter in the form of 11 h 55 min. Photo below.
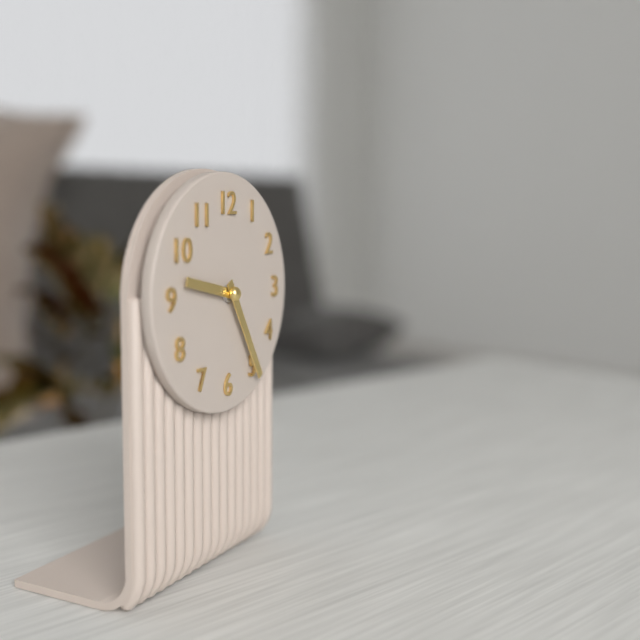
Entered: 9 h 25 min
